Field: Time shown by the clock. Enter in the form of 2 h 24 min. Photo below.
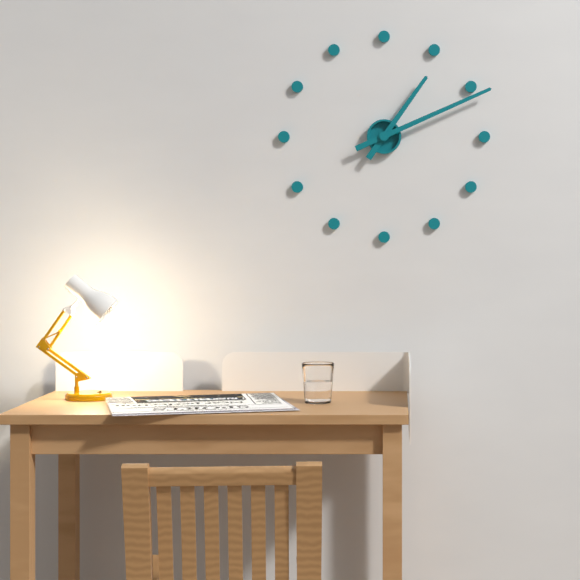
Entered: 1 h 11 min
